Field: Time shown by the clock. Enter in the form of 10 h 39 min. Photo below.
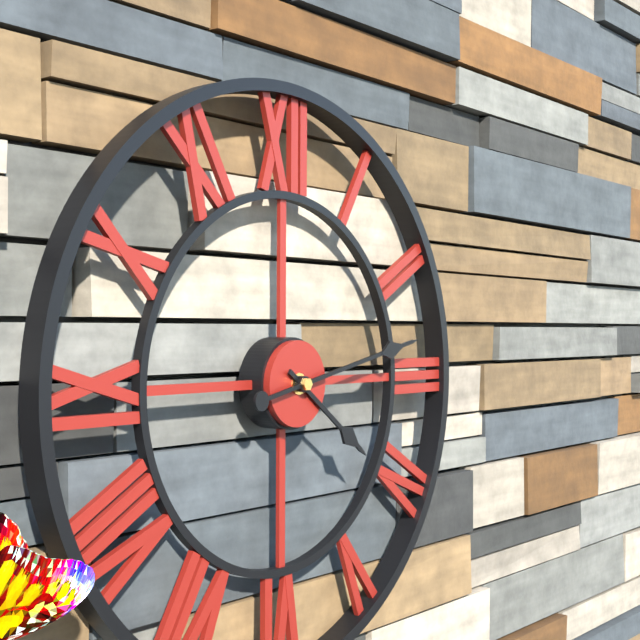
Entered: 4 h 13 min
